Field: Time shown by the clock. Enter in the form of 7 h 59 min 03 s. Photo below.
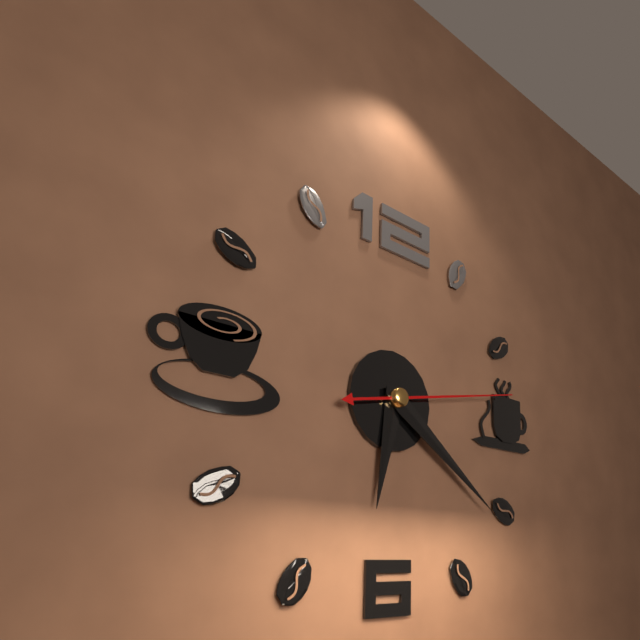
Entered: 6 h 21 min 13 s
